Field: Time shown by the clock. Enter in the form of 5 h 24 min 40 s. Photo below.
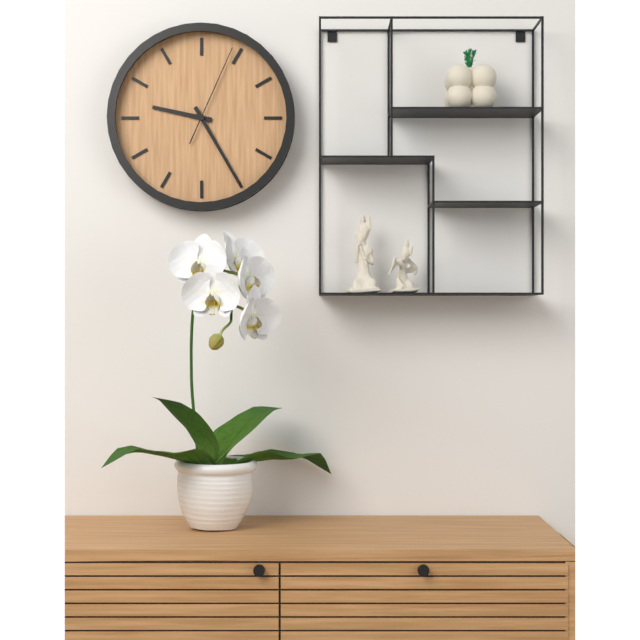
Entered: 9 h 25 min 04 s
